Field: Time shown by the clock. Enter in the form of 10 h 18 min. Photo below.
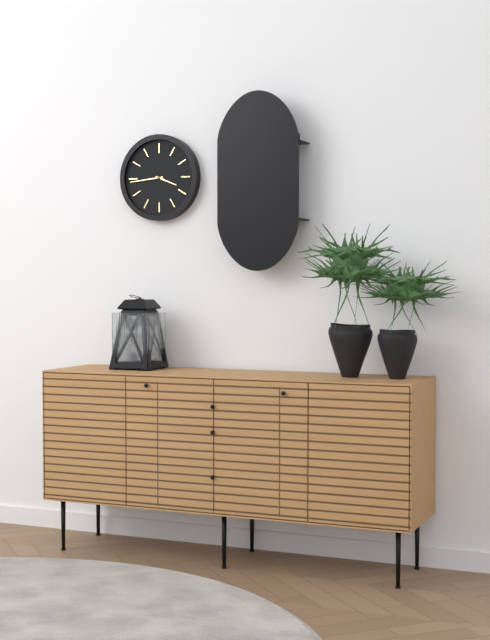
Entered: 3 h 44 min
